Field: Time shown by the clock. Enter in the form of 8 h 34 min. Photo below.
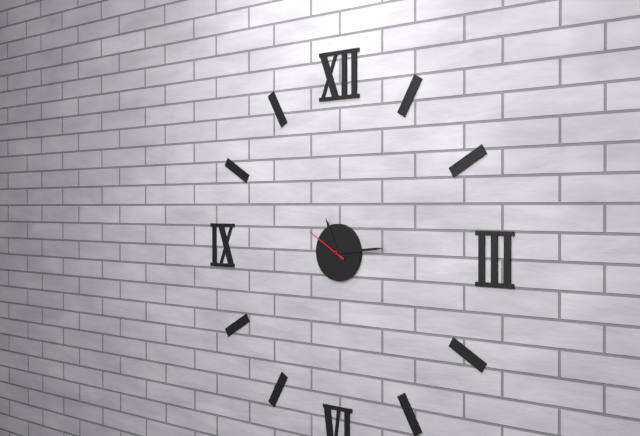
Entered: 11 h 14 min
